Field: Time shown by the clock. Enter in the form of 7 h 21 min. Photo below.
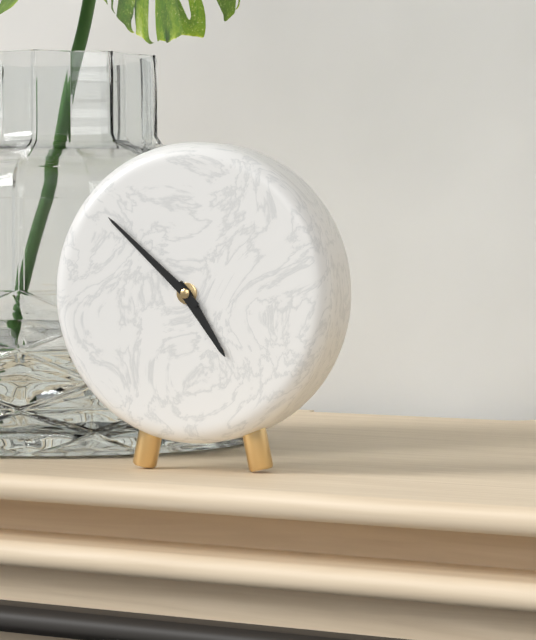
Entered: 4 h 52 min
